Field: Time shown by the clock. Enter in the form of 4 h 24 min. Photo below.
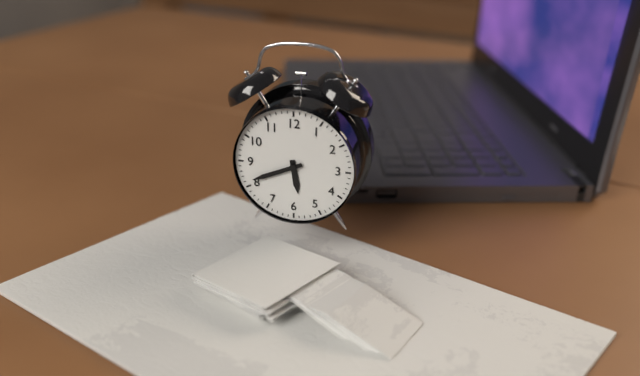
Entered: 5 h 41 min
